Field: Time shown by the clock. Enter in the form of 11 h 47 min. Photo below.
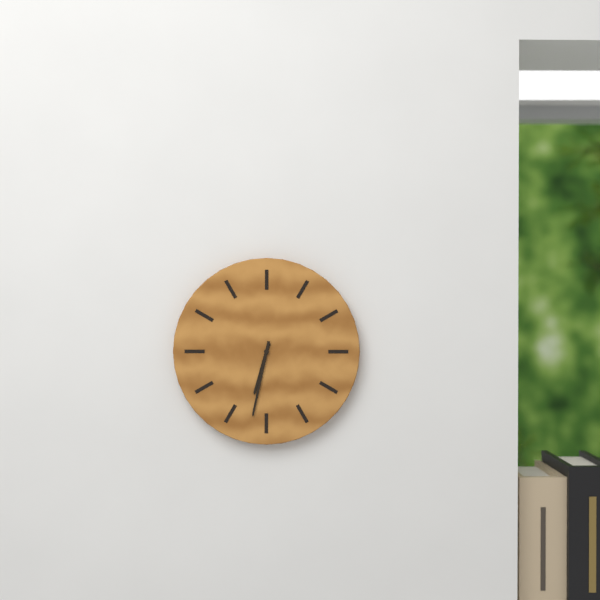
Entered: 6 h 32 min
